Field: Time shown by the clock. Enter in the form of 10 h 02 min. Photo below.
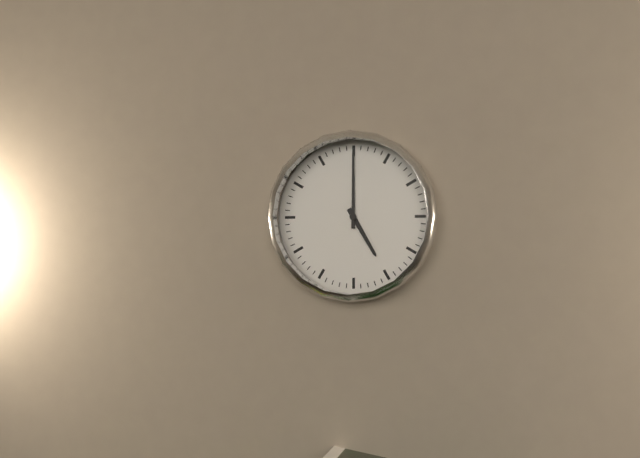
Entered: 5 h 00 min
